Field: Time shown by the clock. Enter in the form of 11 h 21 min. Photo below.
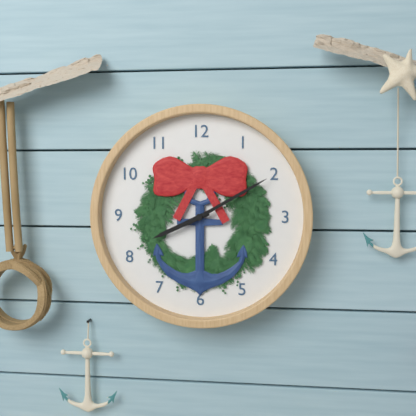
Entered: 8 h 10 min
